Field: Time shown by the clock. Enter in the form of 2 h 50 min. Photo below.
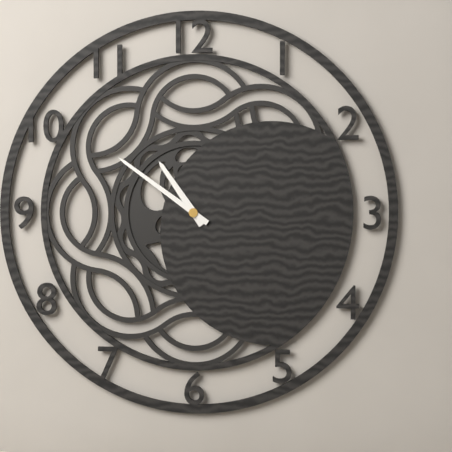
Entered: 10 h 51 min
